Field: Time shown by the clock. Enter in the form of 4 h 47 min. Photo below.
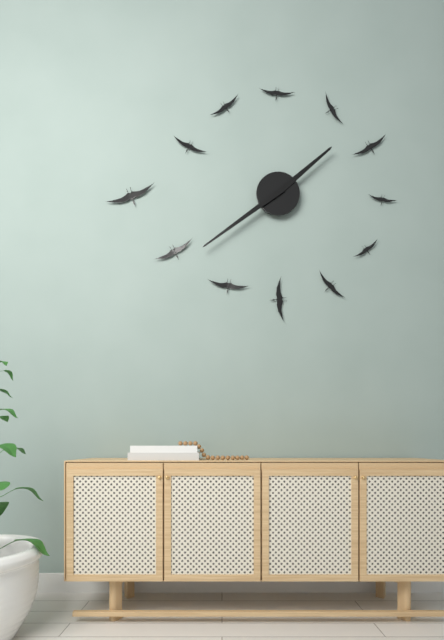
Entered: 1 h 39 min
